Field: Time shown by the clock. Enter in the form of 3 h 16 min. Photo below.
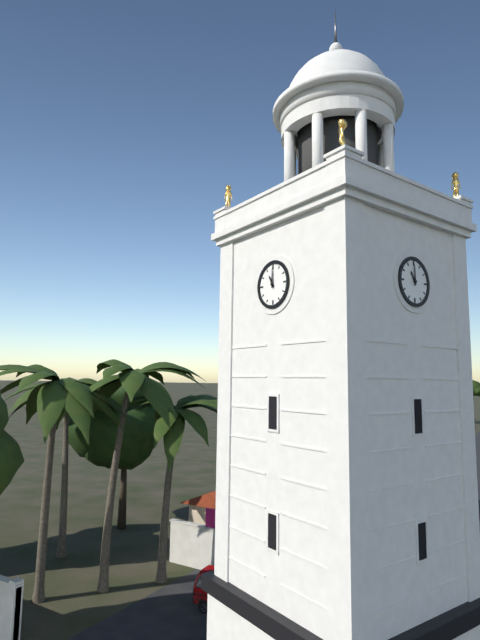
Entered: 11 h 00 min
